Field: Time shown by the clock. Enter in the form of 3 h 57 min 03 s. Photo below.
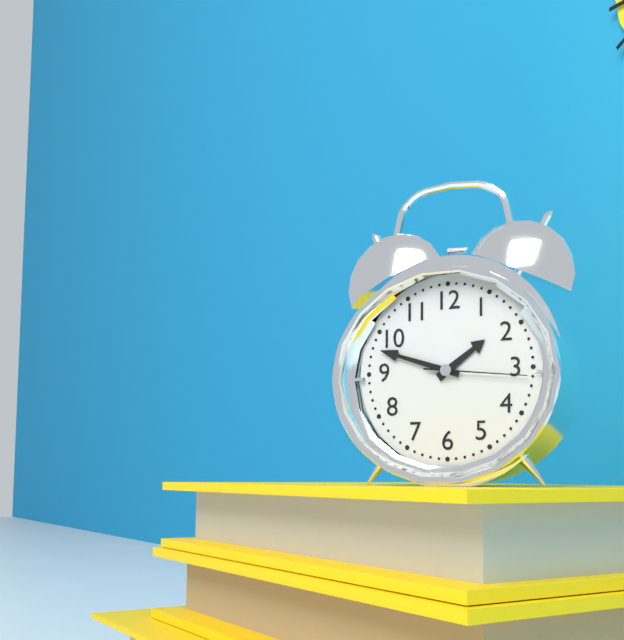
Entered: 1 h 48 min 16 s
